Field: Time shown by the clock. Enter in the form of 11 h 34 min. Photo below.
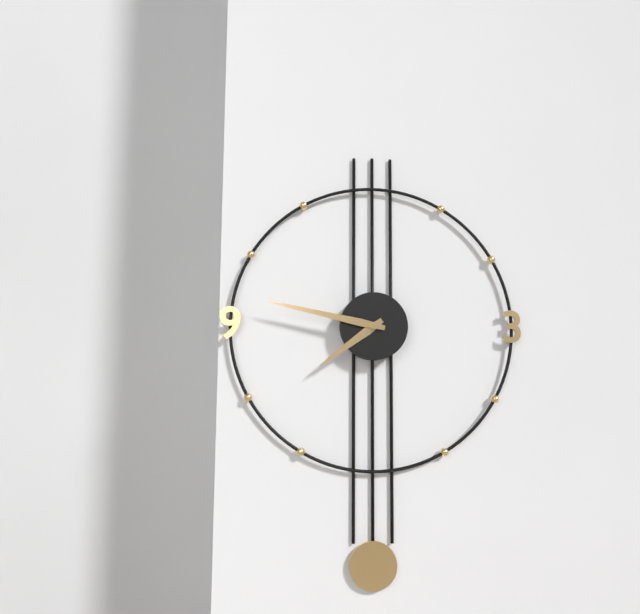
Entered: 7 h 47 min
